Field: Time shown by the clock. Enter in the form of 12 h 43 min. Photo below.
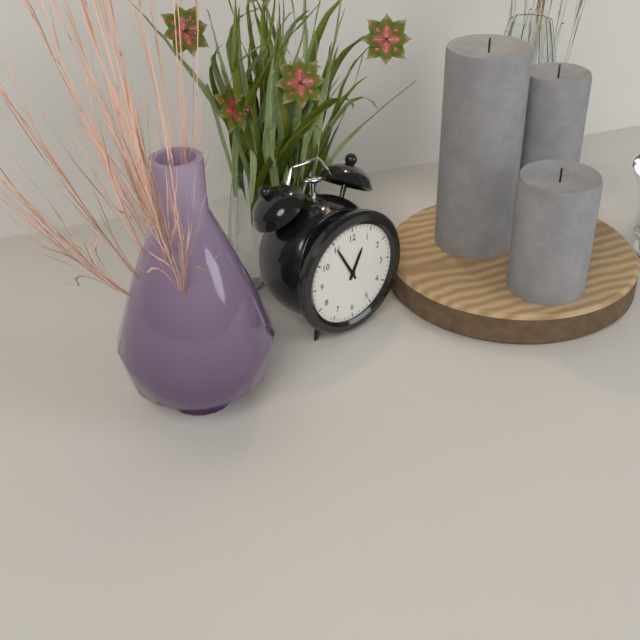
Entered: 12 h 55 min
